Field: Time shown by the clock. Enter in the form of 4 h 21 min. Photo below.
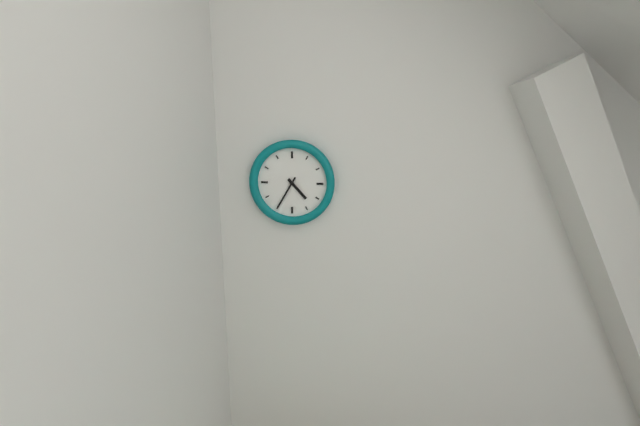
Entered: 4 h 35 min
